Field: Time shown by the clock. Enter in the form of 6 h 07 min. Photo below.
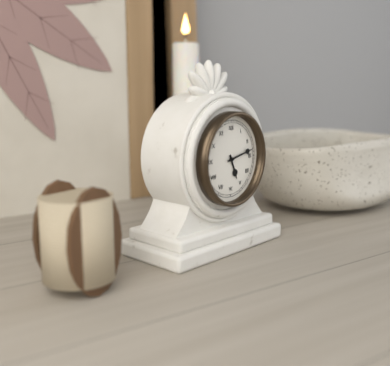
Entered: 5 h 13 min
